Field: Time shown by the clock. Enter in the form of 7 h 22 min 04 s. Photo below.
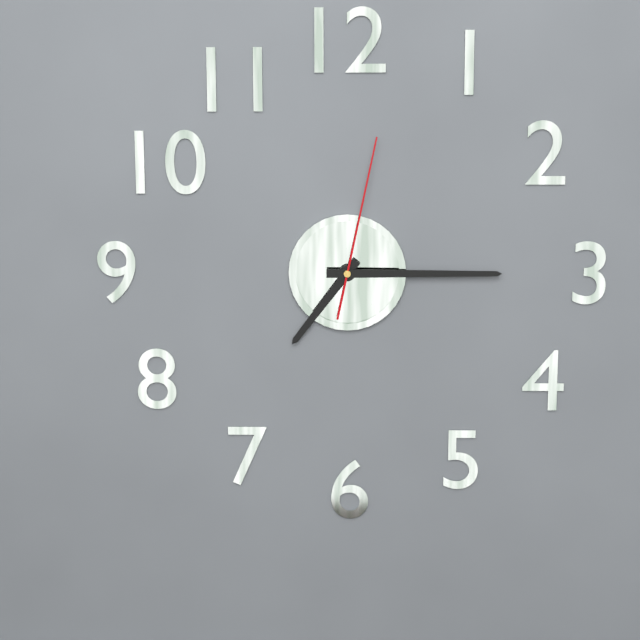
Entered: 7 h 15 min 02 s
